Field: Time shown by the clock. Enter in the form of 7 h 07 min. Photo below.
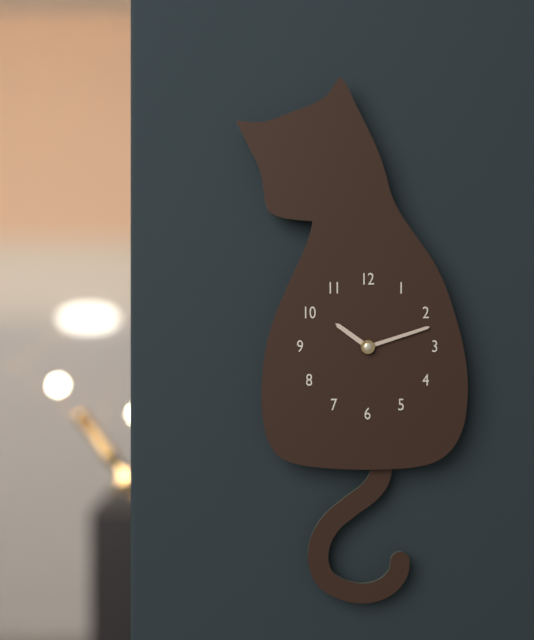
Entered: 10 h 12 min
